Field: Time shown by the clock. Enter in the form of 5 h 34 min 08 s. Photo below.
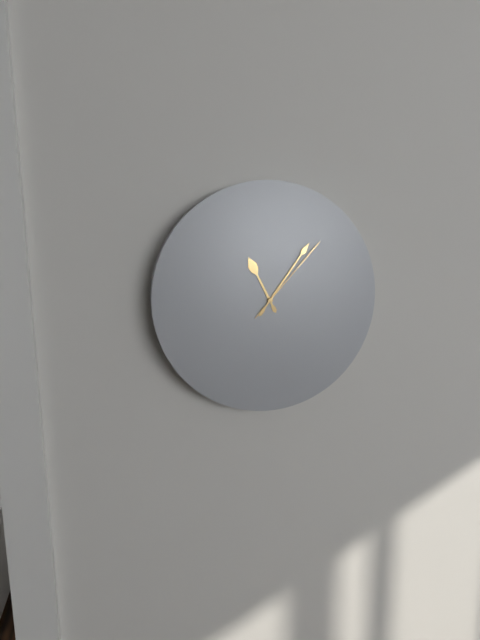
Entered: 11 h 06 min 07 s
